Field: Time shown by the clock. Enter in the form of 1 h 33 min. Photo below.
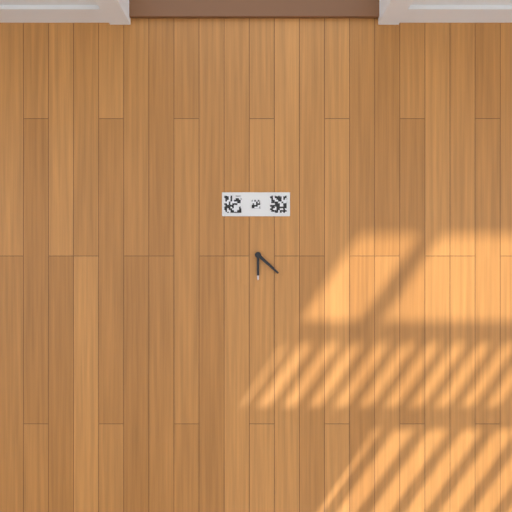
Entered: 4 h 22 min
